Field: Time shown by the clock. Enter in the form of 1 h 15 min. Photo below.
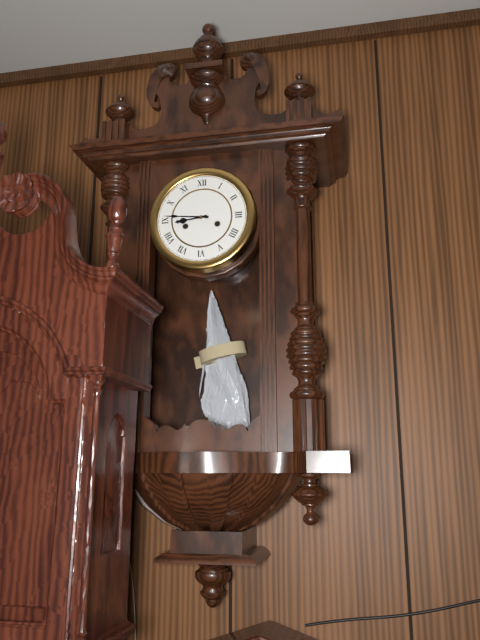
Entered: 8 h 46 min
